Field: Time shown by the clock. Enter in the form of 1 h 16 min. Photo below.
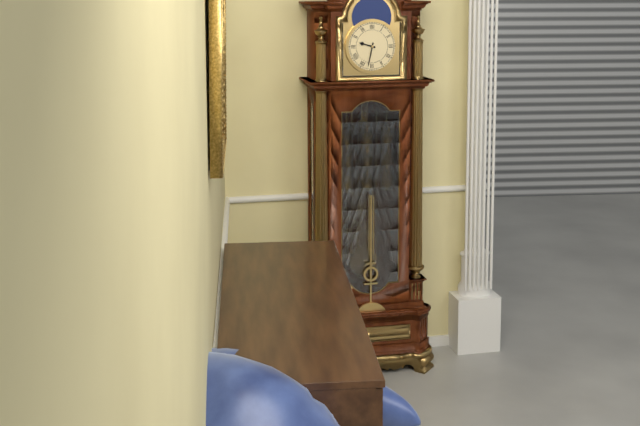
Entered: 9 h 32 min
